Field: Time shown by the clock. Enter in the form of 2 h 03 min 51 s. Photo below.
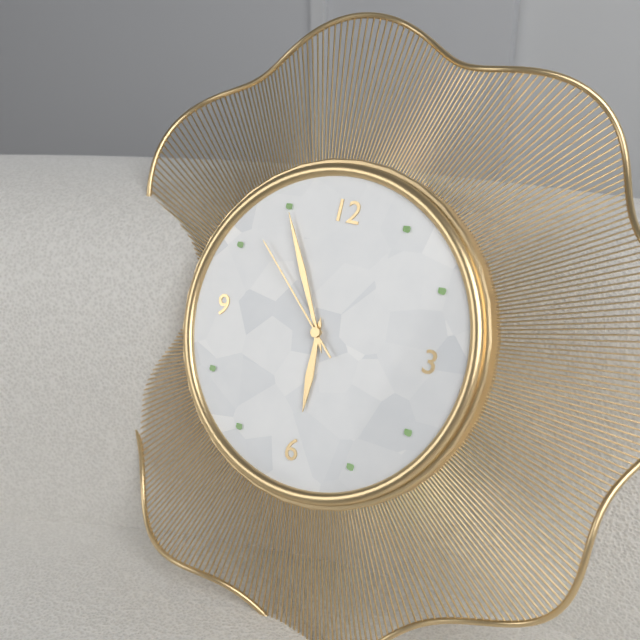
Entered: 5 h 55 min 52 s
